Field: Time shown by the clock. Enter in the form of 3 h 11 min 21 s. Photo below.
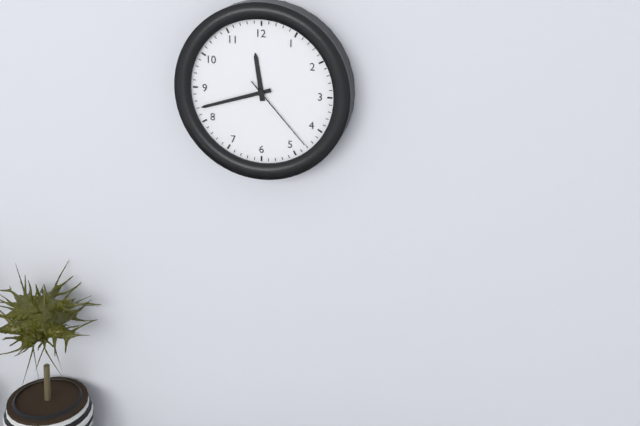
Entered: 11 h 42 min 23 s
